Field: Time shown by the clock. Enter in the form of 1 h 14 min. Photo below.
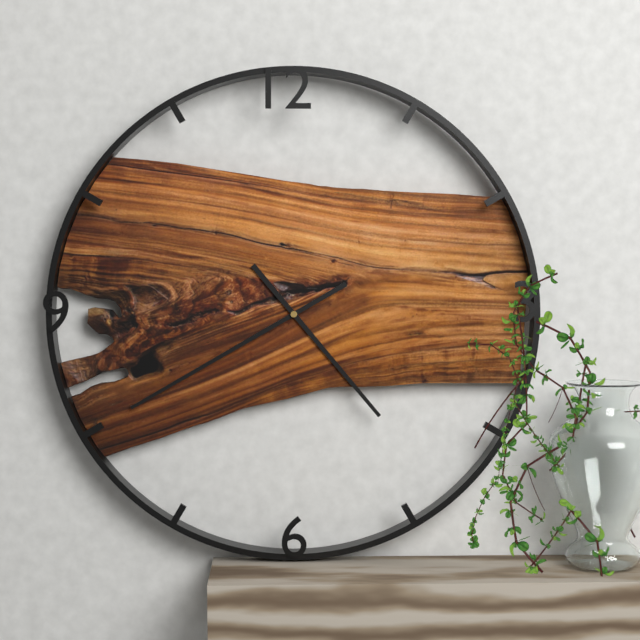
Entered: 4 h 40 min
